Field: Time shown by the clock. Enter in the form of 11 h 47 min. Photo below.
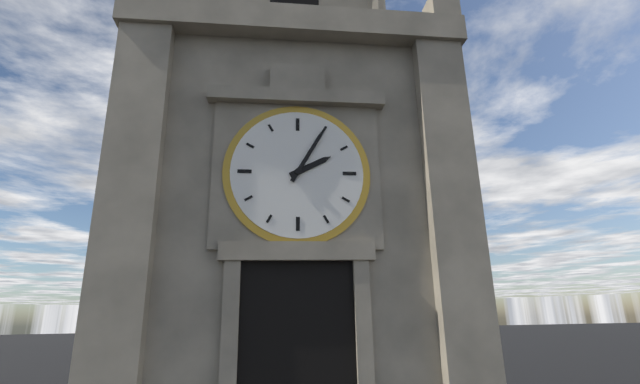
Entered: 2 h 05 min
